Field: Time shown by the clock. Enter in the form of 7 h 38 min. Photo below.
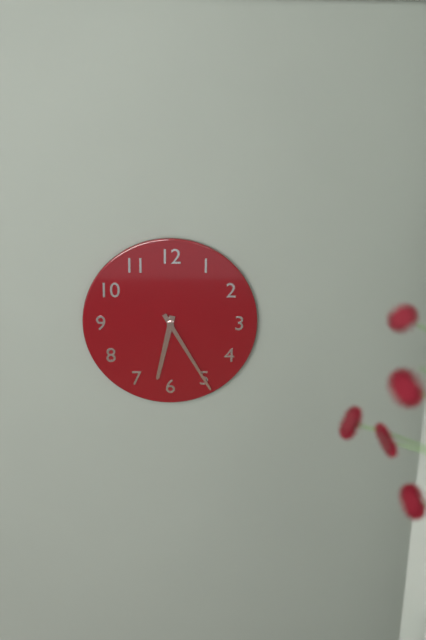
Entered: 6 h 25 min
